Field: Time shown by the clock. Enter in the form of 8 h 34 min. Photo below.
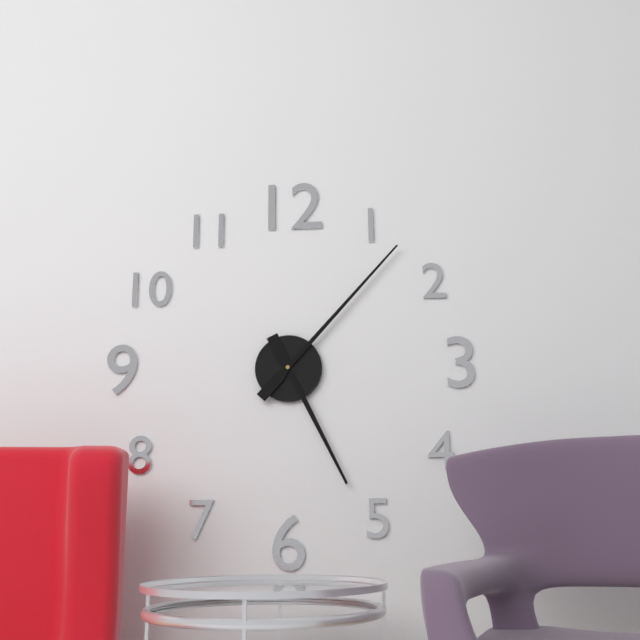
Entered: 5 h 07 min
